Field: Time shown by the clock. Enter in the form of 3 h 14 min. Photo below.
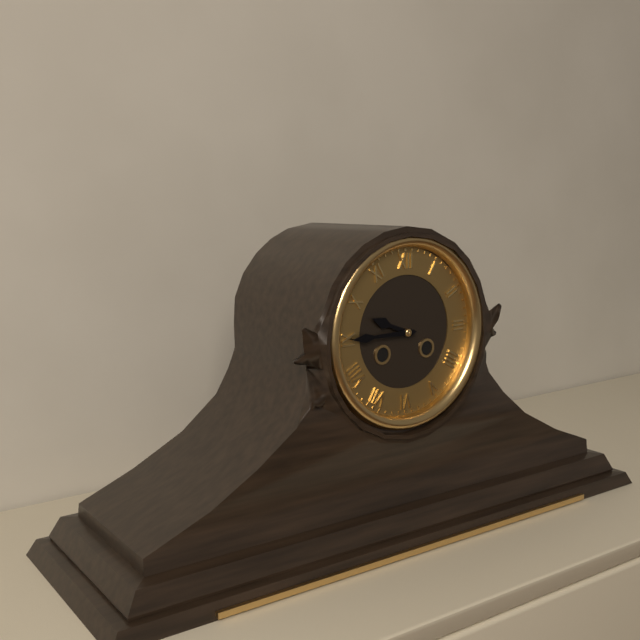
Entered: 9 h 45 min
